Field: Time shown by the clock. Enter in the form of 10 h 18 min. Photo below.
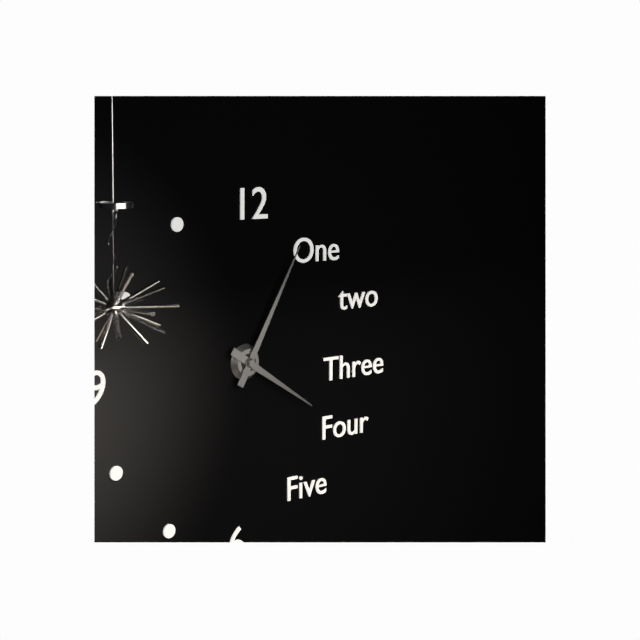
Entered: 4 h 05 min
